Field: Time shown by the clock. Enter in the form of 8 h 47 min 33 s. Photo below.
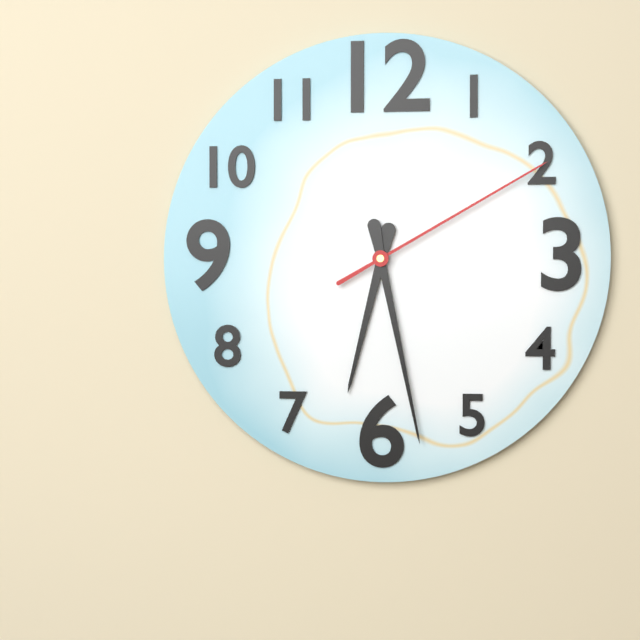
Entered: 6 h 28 min 10 s
